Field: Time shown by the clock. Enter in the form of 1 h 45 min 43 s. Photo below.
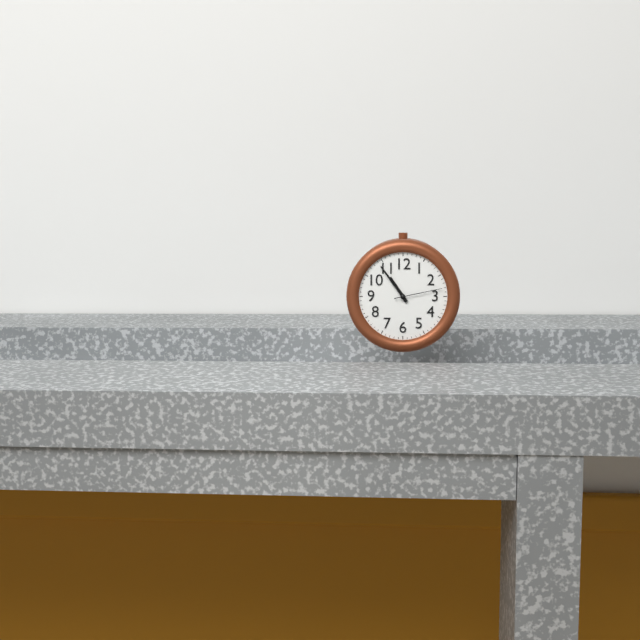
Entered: 10 h 54 min 13 s
